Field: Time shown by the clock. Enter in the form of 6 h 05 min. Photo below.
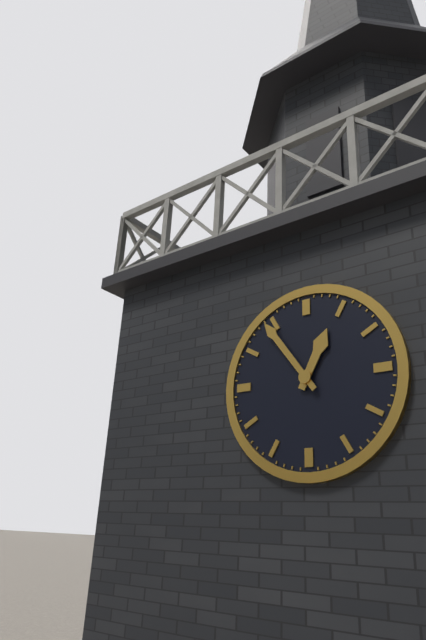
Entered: 12 h 54 min
